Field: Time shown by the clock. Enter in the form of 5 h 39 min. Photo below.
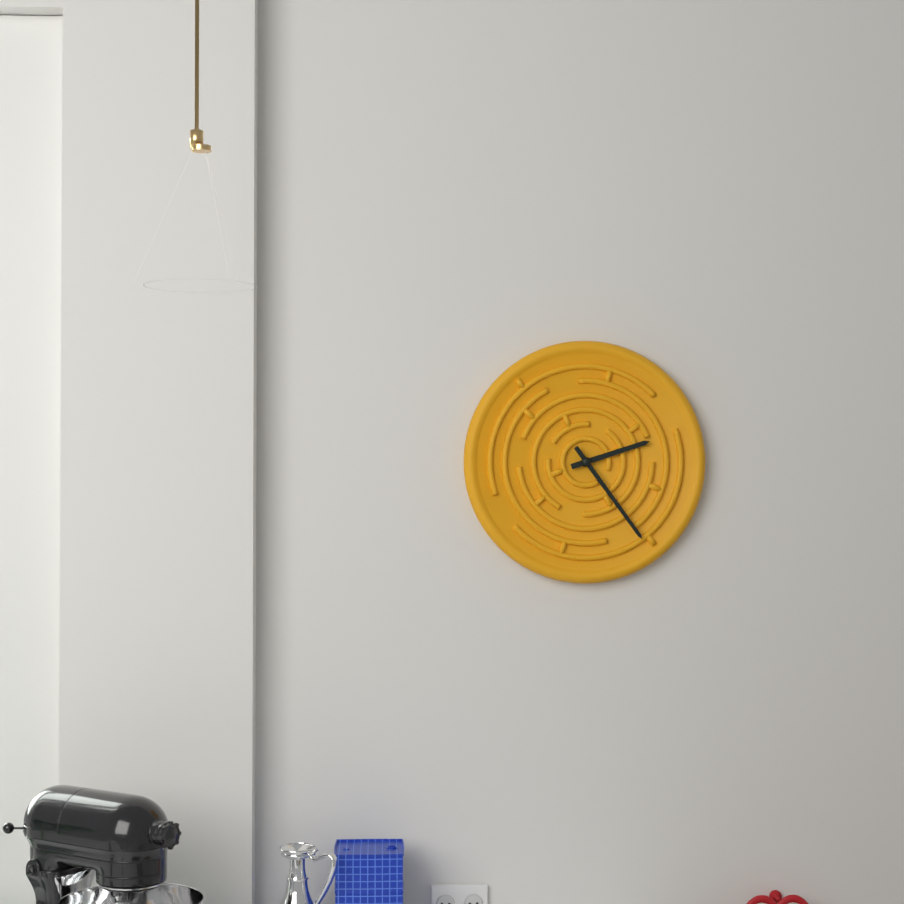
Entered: 2 h 24 min
